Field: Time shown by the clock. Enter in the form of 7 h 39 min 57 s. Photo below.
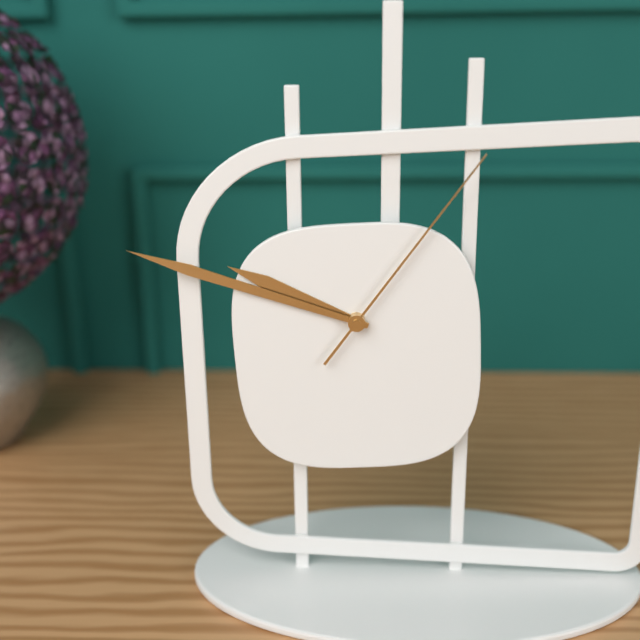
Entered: 9 h 48 min 06 s
